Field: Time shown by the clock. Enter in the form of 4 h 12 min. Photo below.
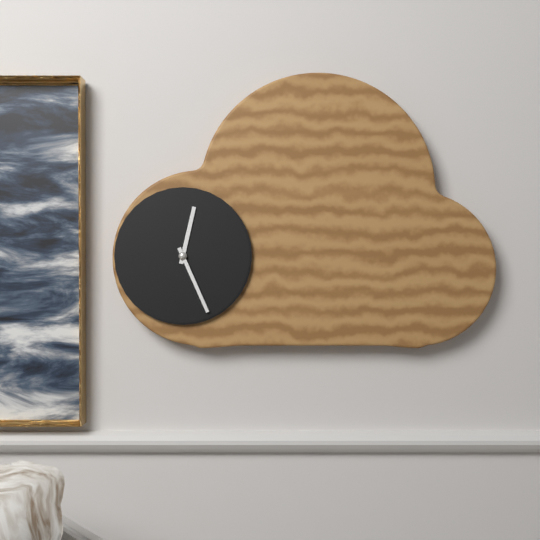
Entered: 12 h 26 min
